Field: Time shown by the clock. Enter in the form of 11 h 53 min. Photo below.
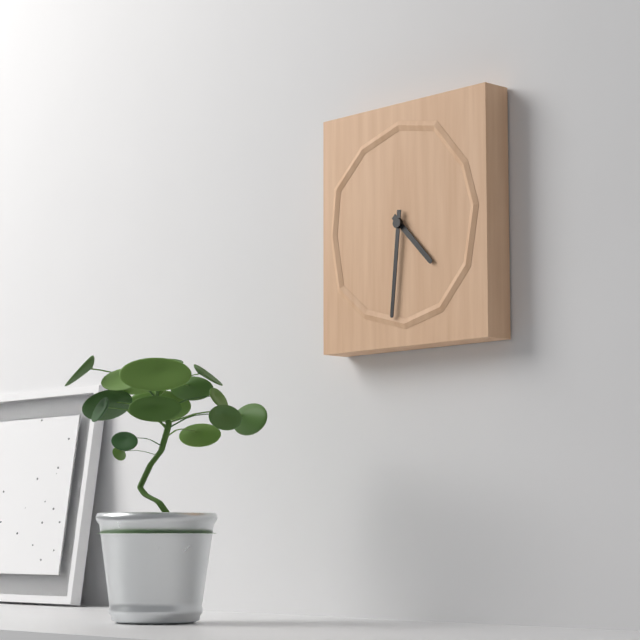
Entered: 4 h 31 min
